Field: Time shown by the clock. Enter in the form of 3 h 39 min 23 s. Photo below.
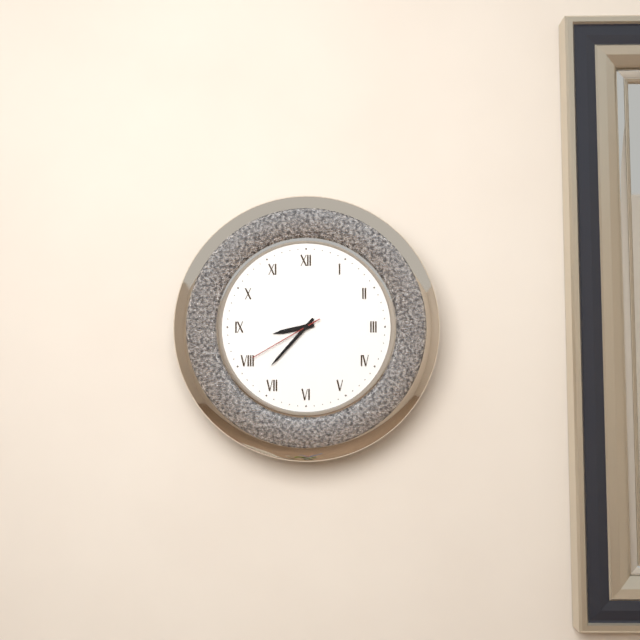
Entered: 8 h 37 min 40 s
